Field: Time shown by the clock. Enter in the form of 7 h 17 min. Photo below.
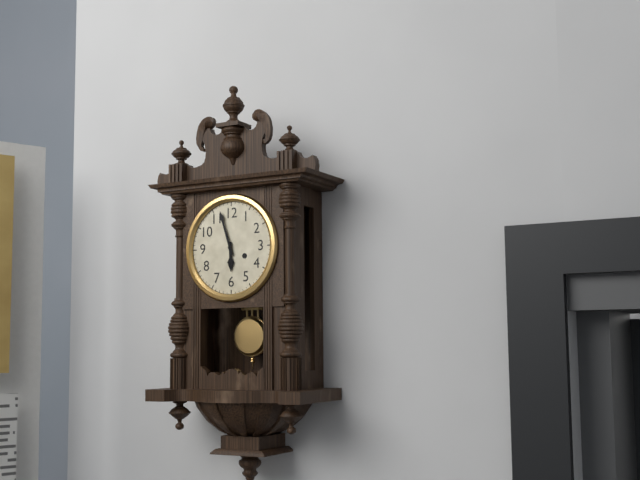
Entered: 5 h 57 min
